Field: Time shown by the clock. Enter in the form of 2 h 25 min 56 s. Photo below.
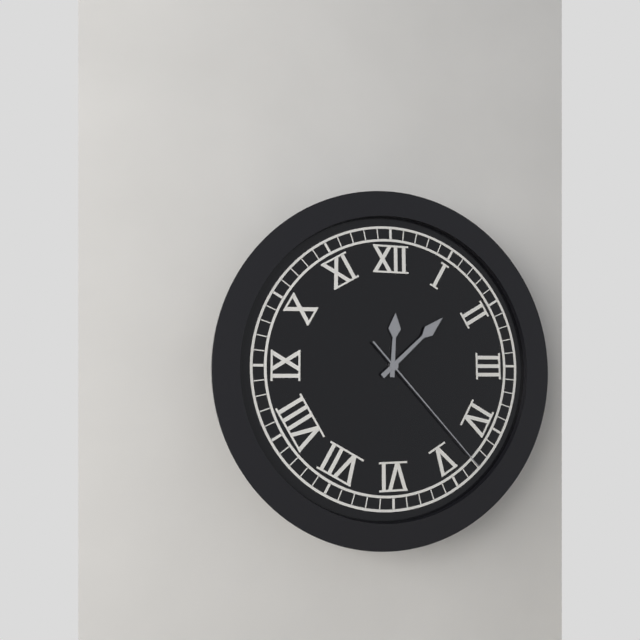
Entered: 12 h 08 min 23 s
